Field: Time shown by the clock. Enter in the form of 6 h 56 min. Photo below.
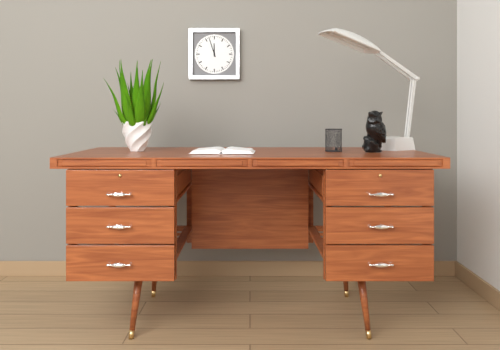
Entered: 11 h 57 min
